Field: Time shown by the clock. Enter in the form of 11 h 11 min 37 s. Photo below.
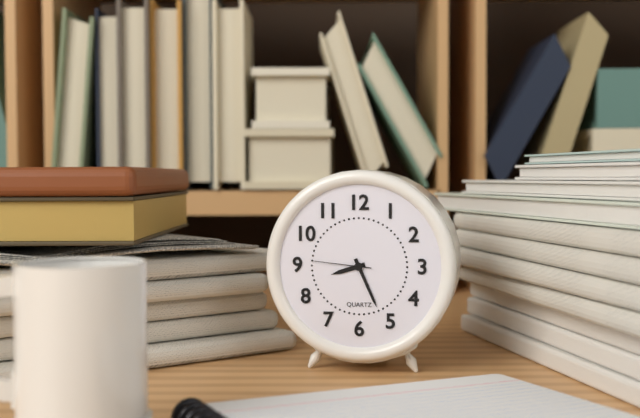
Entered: 8 h 26 min 46 s
